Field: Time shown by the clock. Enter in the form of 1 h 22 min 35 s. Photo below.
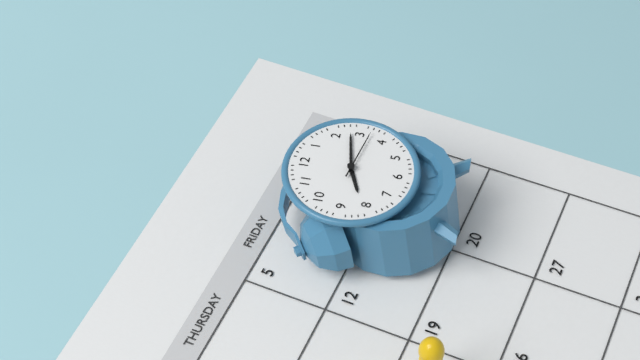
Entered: 8 h 13 min 17 s
